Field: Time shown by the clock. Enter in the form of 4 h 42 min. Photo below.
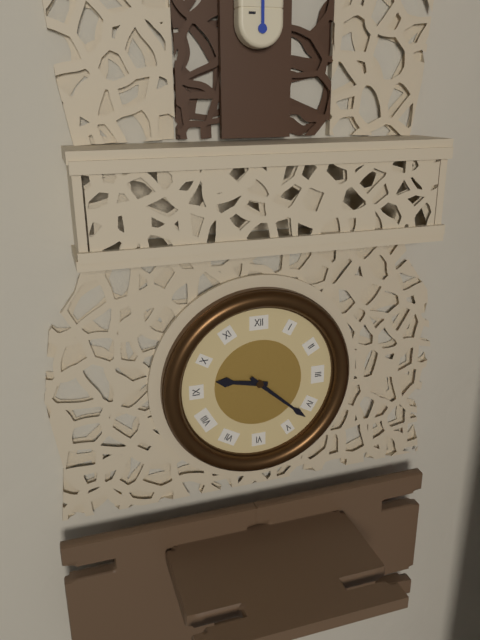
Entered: 9 h 22 min
